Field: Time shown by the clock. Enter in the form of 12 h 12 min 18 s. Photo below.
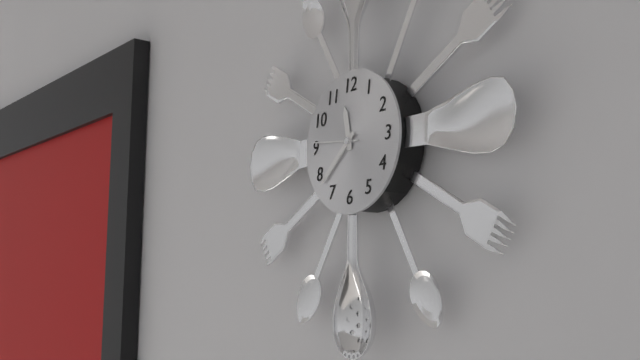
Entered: 11 h 38 min 46 s
